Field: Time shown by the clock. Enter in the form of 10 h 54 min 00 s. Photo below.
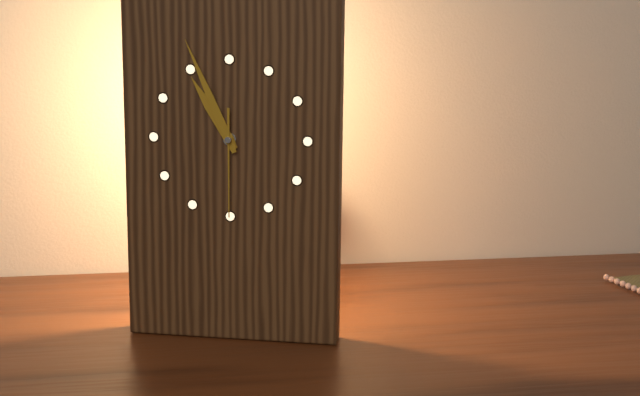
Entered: 10 h 56 min 30 s
